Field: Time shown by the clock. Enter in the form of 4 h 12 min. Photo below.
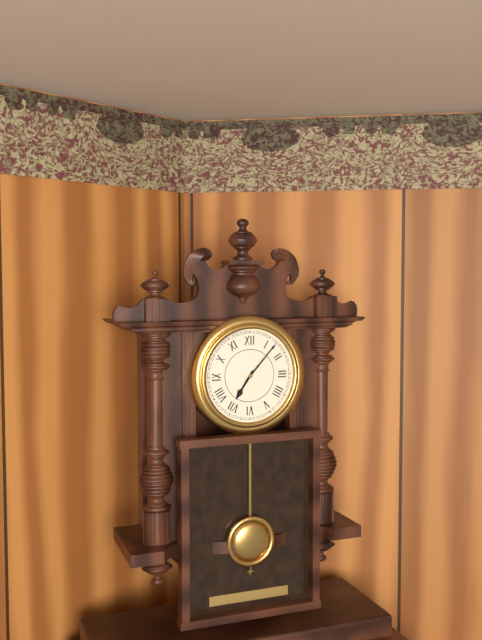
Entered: 7 h 07 min
